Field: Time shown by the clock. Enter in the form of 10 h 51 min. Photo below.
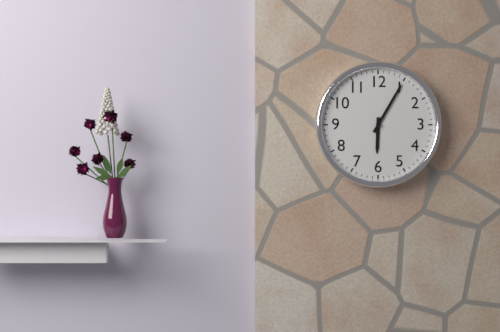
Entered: 6 h 05 min
